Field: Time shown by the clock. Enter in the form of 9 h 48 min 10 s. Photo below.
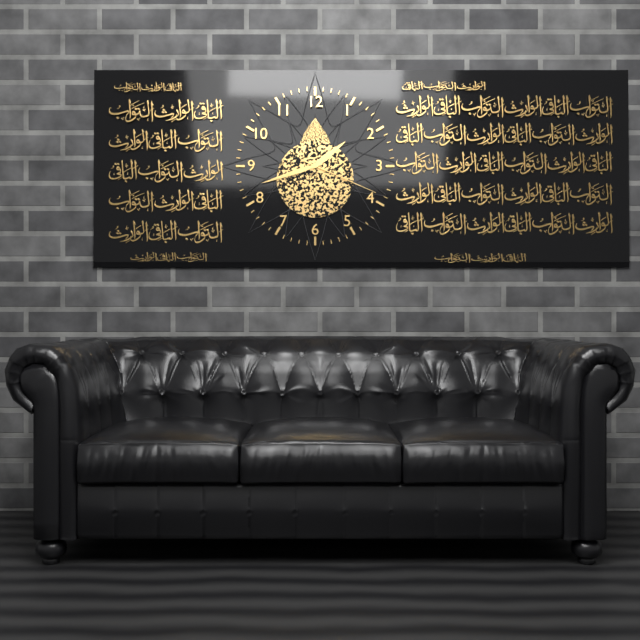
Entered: 1 h 42 min 19 s
